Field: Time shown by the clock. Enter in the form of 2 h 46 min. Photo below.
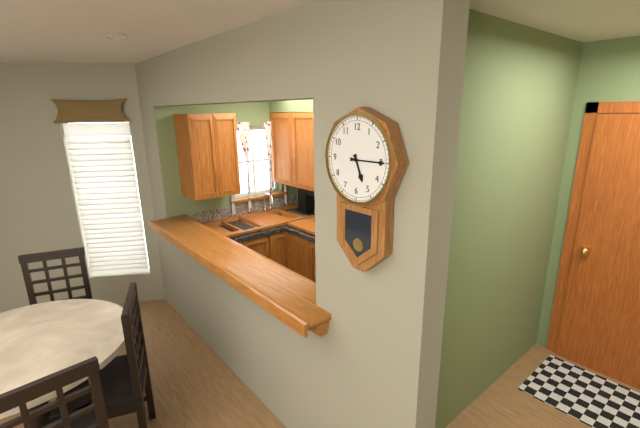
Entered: 5 h 15 min
